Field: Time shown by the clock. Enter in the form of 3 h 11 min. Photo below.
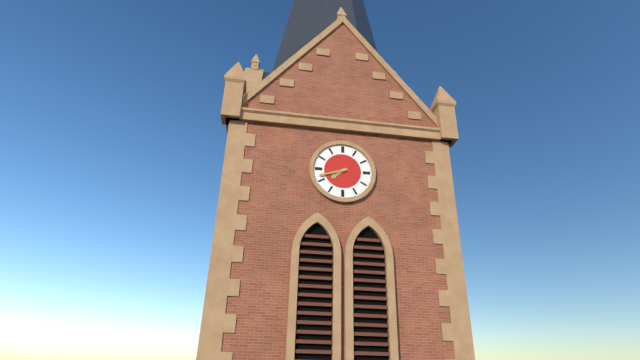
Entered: 7 h 42 min
